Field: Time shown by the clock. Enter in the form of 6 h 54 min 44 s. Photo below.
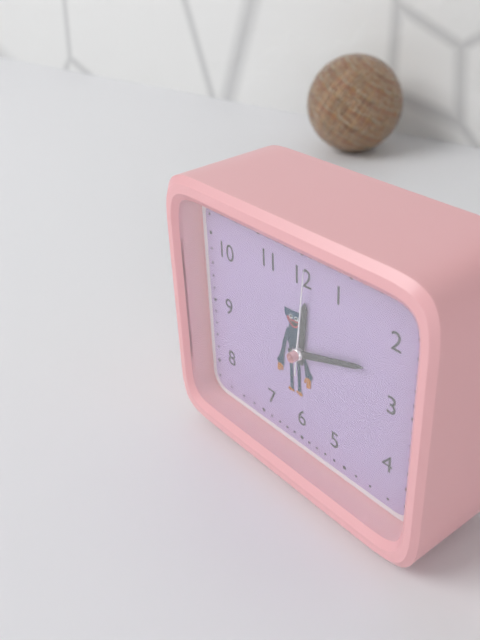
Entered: 12 h 12 min 01 s
